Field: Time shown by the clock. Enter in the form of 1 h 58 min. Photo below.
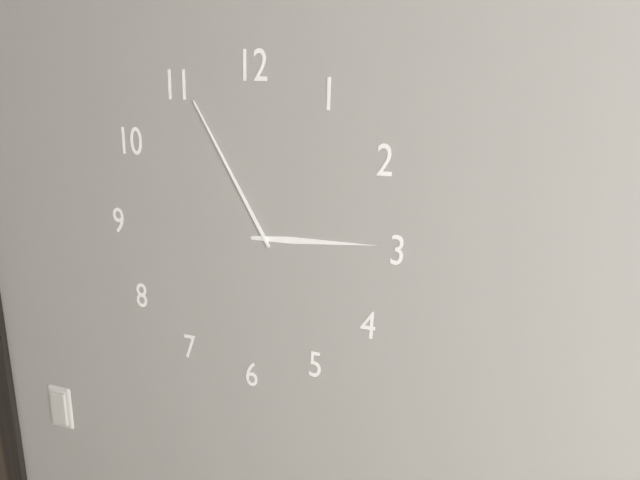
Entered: 2 h 55 min
